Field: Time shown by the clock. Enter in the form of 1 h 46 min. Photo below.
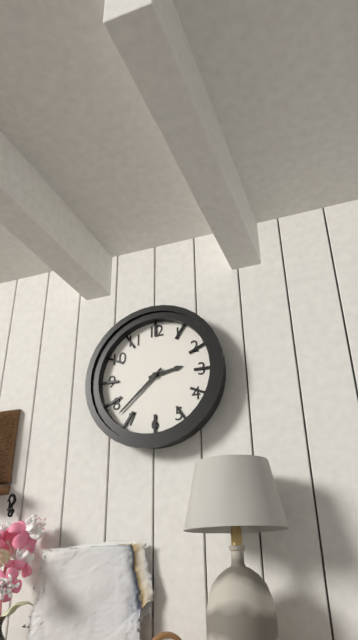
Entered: 2 h 38 min
